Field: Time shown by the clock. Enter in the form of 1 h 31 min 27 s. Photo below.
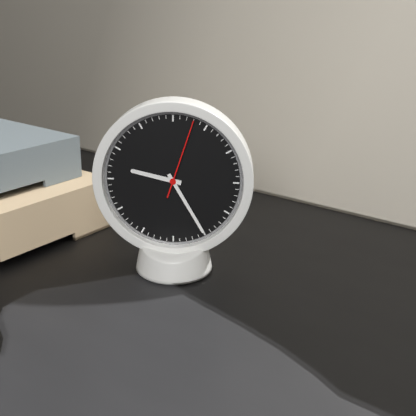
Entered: 9 h 25 min 03 s
